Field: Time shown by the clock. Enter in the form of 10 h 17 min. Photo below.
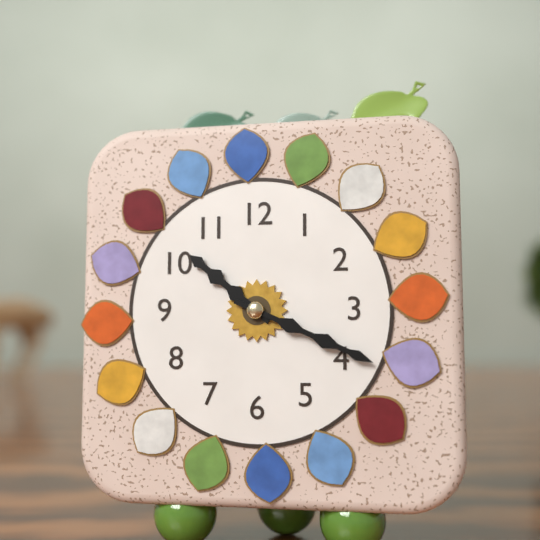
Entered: 10 h 19 min
